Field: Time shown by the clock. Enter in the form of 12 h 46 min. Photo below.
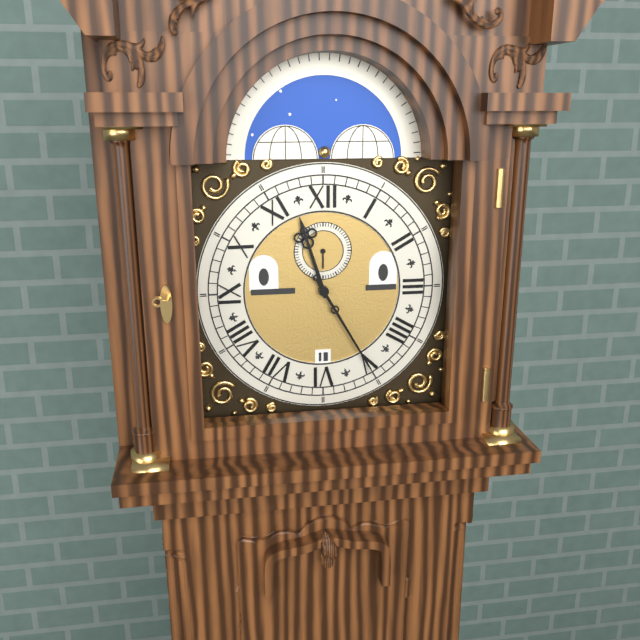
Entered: 11 h 25 min
